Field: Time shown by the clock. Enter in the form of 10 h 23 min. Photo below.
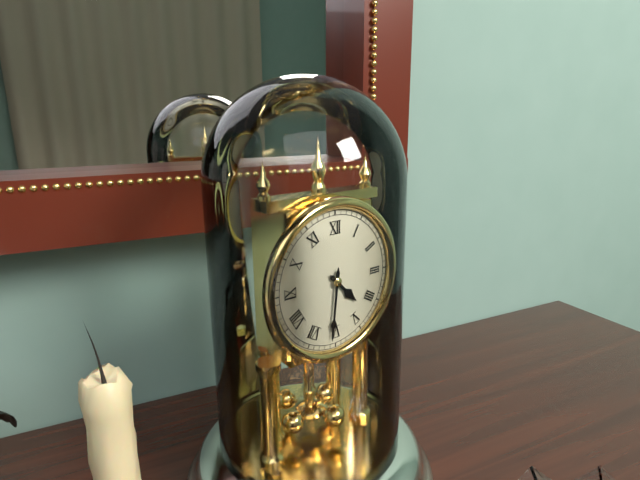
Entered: 4 h 31 min
